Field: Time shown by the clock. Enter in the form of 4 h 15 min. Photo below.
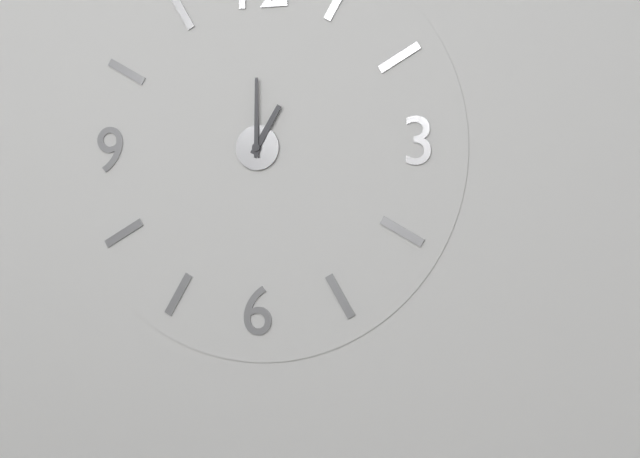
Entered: 1 h 00 min
